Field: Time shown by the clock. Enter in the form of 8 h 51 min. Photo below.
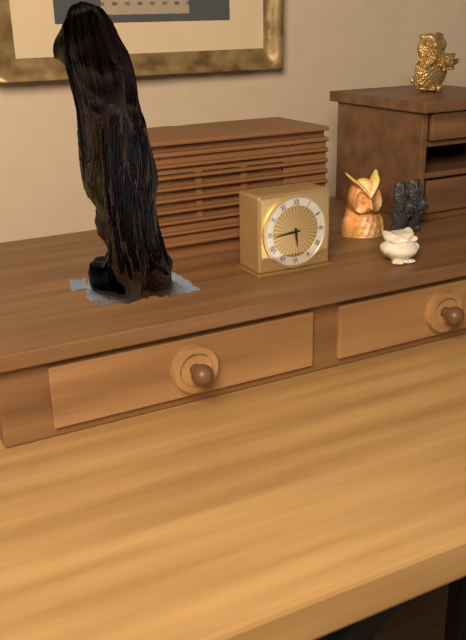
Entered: 5 h 44 min
